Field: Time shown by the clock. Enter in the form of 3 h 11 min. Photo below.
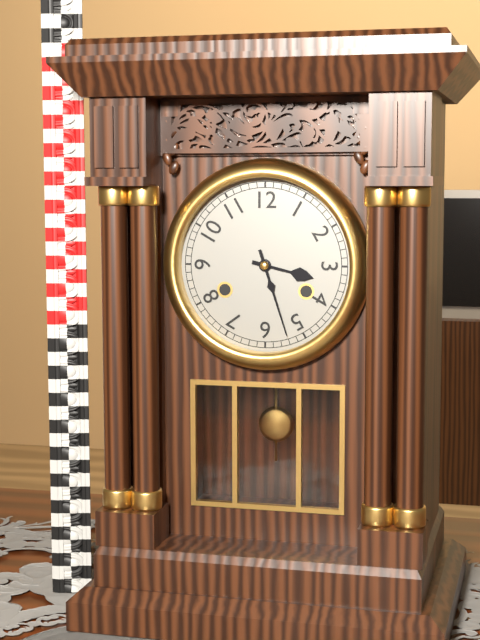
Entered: 3 h 27 min
